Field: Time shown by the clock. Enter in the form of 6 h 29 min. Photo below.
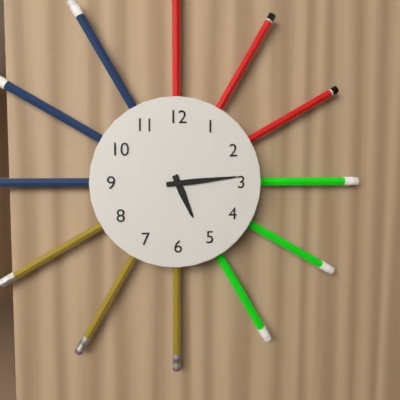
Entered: 5 h 14 min
